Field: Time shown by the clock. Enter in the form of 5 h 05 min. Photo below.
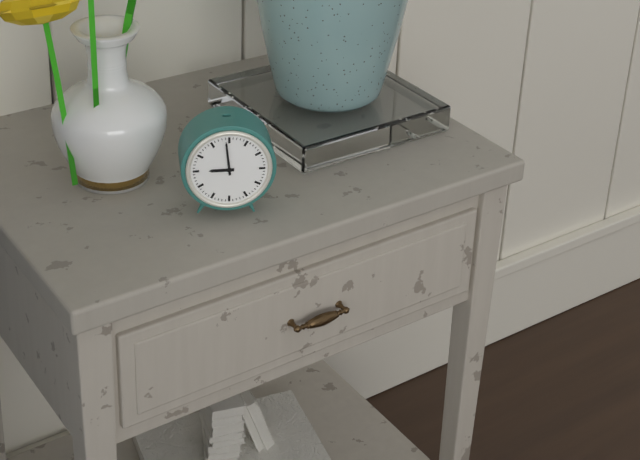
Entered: 8 h 59 min
